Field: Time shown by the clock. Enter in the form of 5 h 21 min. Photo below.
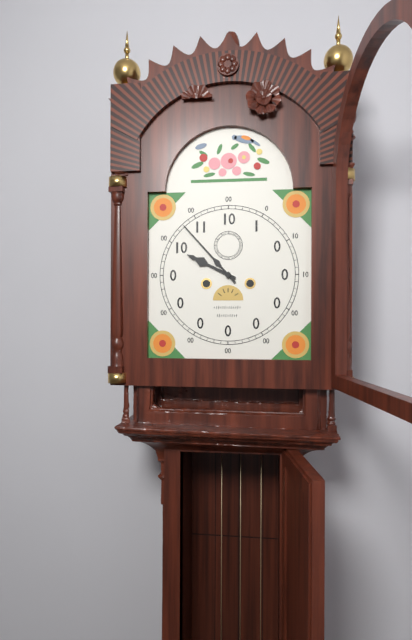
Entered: 9 h 53 min
